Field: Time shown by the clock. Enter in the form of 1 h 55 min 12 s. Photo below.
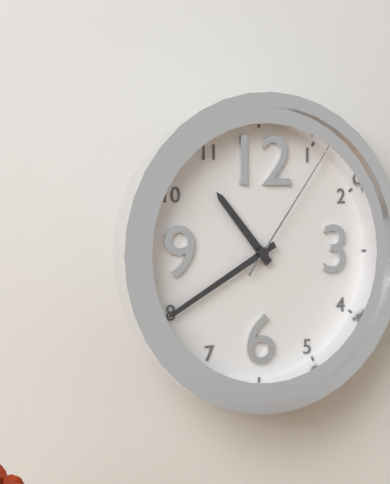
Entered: 10 h 40 min 06 s
